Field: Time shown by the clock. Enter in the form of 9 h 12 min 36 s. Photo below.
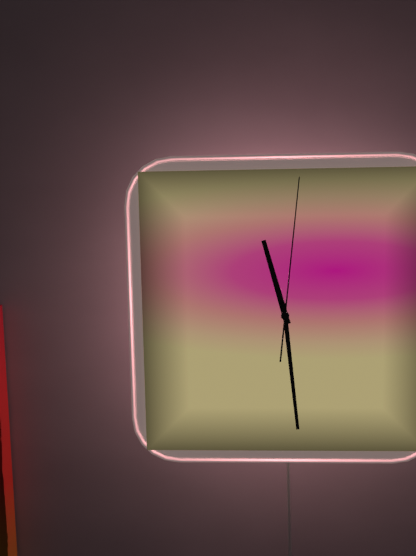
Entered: 11 h 29 min 01 s
